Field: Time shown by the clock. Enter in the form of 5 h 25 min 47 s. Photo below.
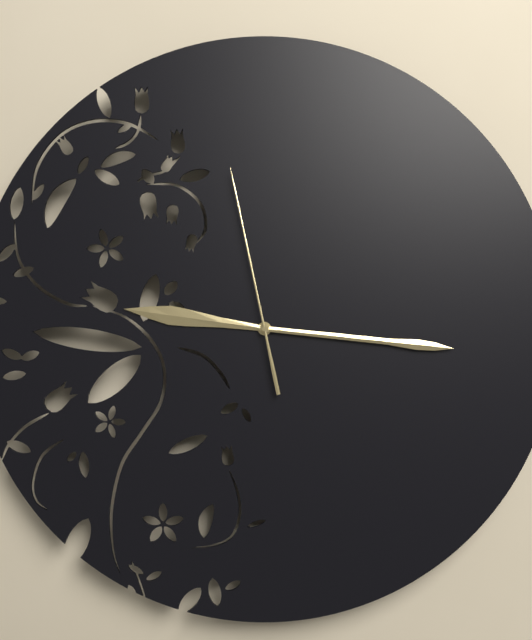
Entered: 9 h 16 min 58 s
